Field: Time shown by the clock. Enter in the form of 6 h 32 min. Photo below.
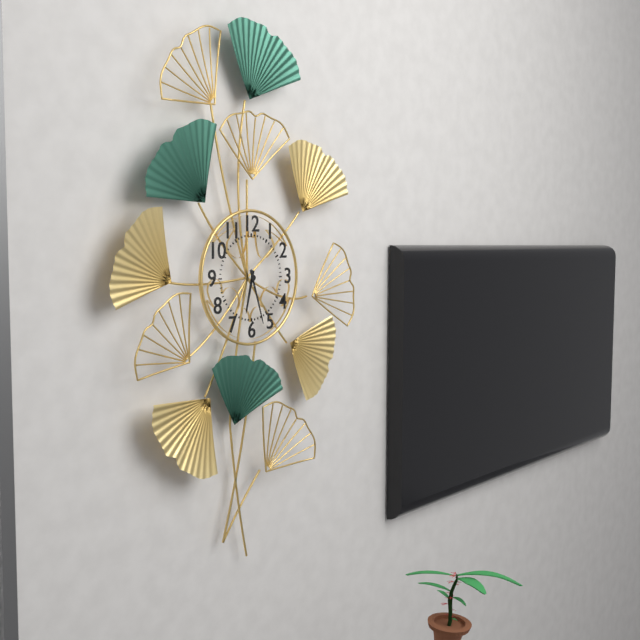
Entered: 6 h 27 min
